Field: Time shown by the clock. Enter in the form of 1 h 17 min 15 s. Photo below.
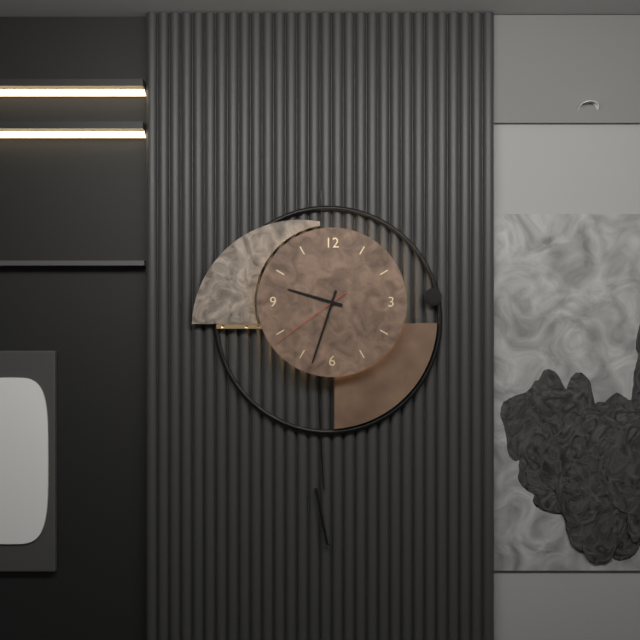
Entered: 9 h 33 min 39 s
